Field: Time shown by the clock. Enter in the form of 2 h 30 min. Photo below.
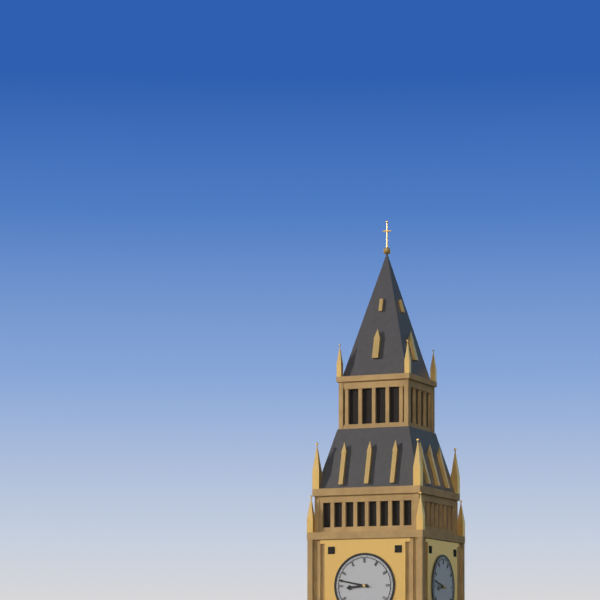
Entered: 8 h 47 min
